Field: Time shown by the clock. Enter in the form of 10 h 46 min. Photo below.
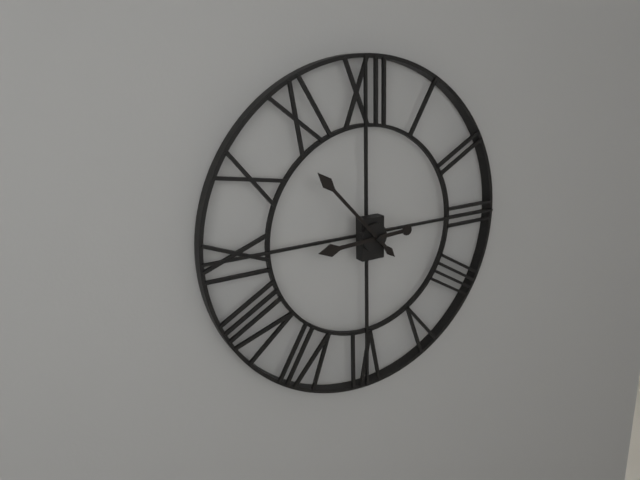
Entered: 8 h 53 min
